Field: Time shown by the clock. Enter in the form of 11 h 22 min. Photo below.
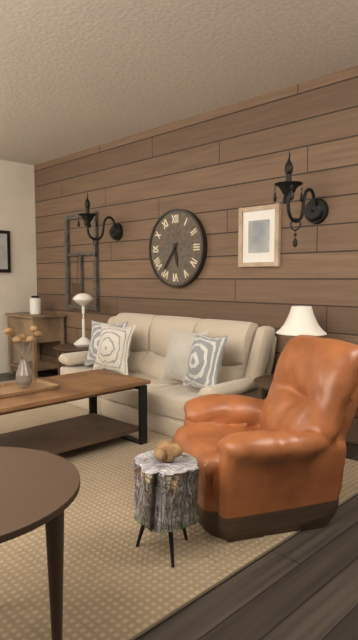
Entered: 5 h 36 min
